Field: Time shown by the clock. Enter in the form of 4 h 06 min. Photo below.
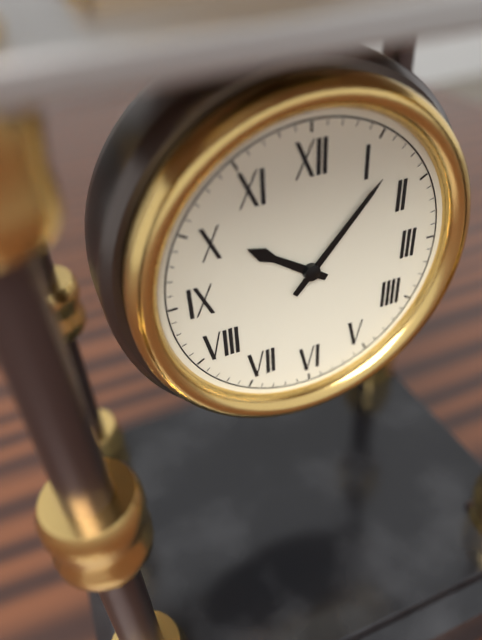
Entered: 10 h 07 min
